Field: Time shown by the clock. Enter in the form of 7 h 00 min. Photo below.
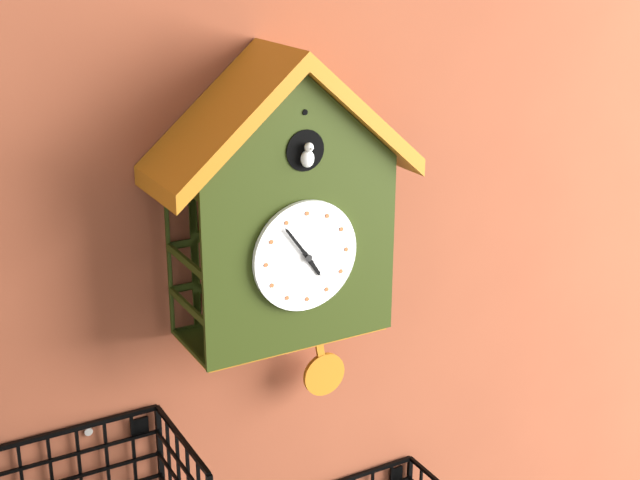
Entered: 4 h 54 min
